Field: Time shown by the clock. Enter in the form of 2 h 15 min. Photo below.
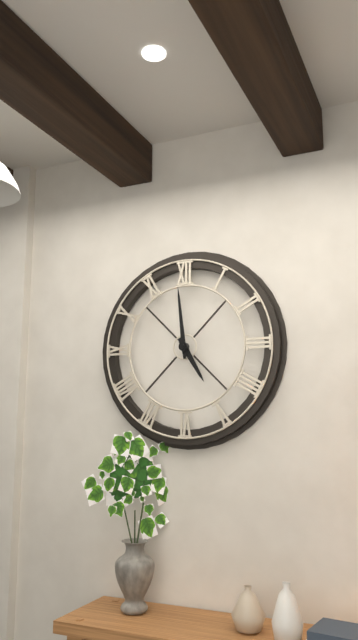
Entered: 4 h 59 min
